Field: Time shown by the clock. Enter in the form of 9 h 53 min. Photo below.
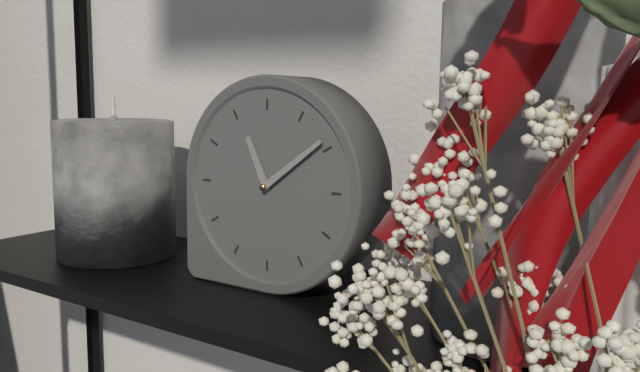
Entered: 11 h 09 min
